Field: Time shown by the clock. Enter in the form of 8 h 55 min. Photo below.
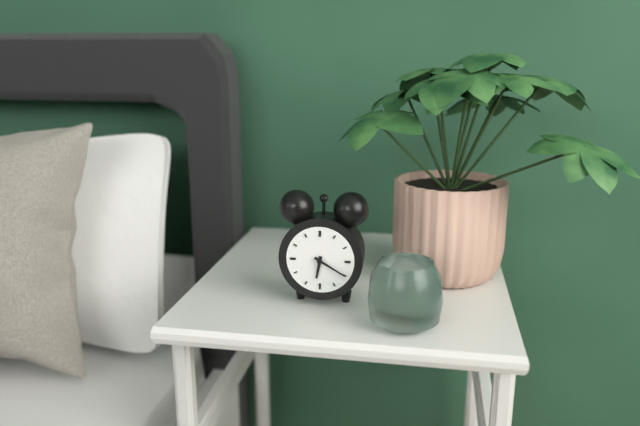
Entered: 6 h 20 min
